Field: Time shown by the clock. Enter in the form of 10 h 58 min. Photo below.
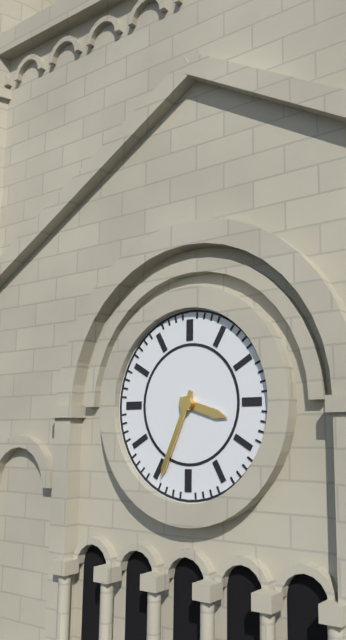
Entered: 3 h 34 min
